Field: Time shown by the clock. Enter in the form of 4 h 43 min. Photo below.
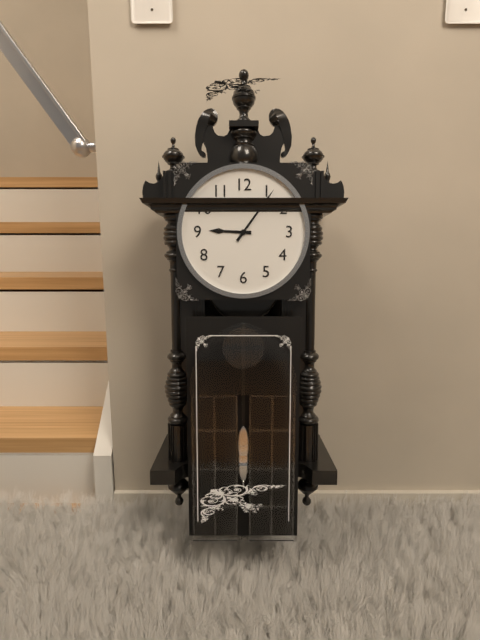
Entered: 9 h 06 min
